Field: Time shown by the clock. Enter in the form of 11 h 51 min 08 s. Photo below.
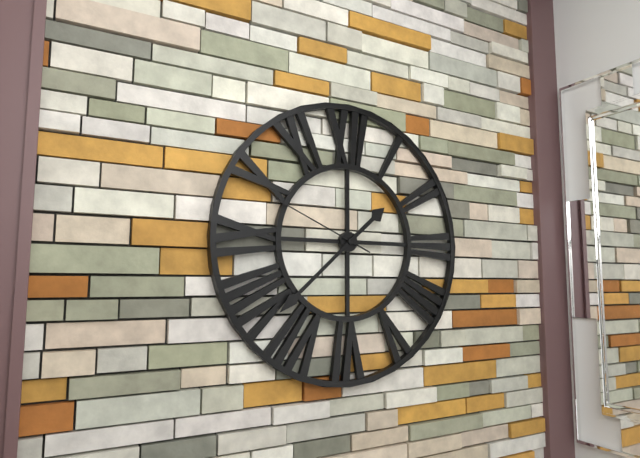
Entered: 1 h 38 min 49 s
